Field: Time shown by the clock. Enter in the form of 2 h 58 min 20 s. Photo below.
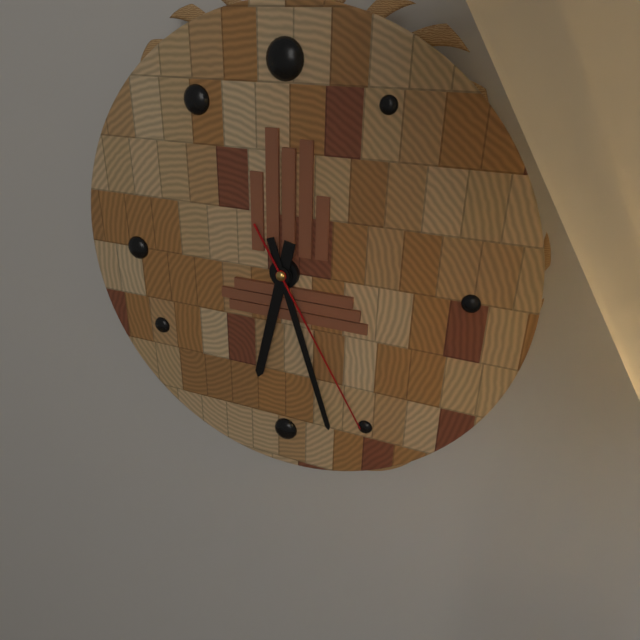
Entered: 6 h 27 min 25 s
